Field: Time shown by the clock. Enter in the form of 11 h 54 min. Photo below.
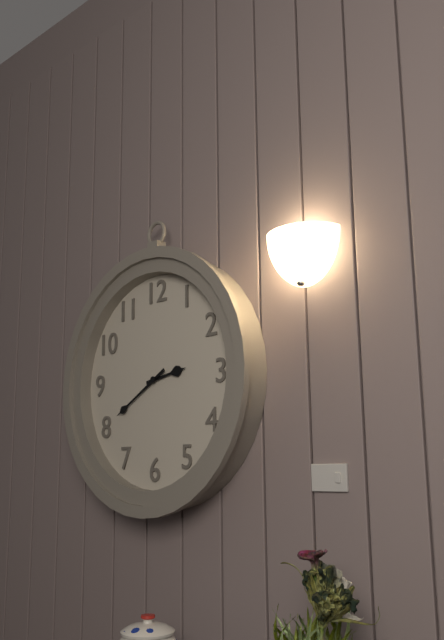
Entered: 2 h 40 min
